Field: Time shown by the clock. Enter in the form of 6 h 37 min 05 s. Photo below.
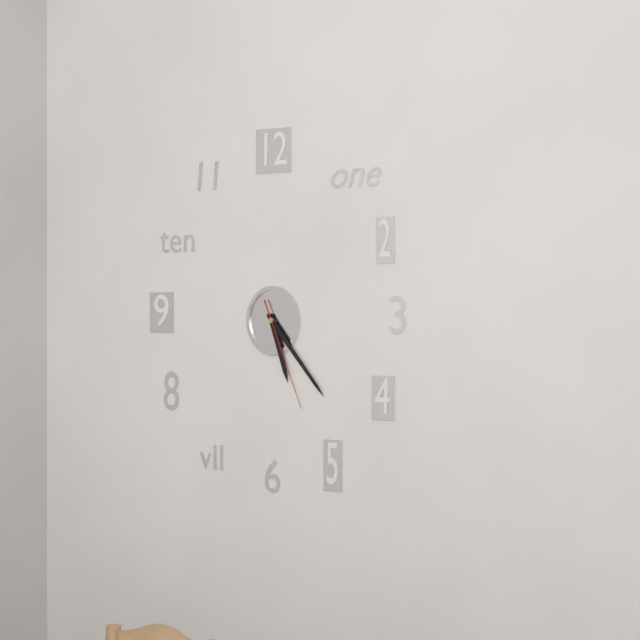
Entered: 5 h 23 min 26 s
